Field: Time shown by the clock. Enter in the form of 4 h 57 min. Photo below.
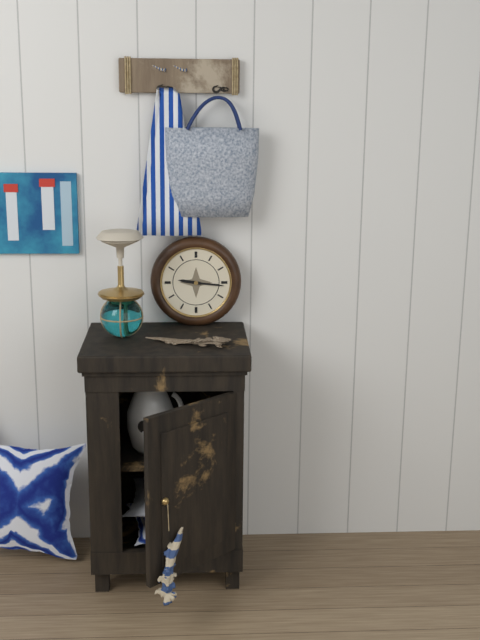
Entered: 9 h 16 min
